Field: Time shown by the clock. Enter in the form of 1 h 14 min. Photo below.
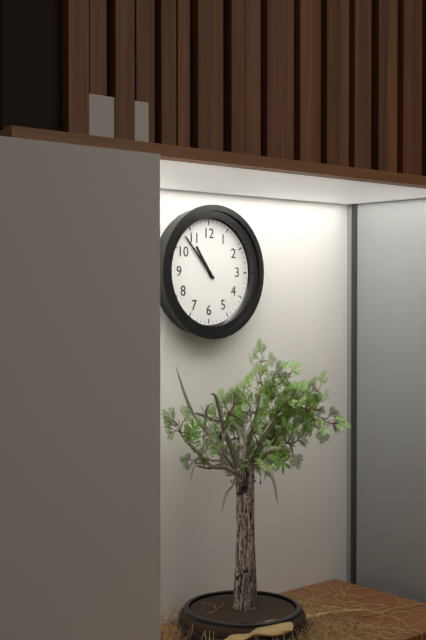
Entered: 10 h 53 min
